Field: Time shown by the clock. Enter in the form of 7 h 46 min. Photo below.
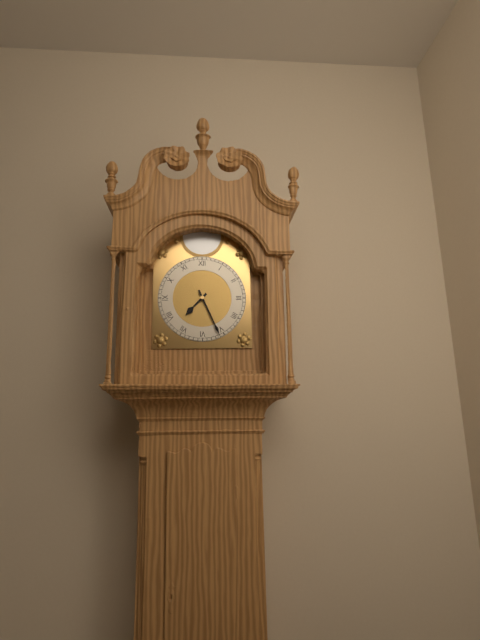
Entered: 7 h 26 min
